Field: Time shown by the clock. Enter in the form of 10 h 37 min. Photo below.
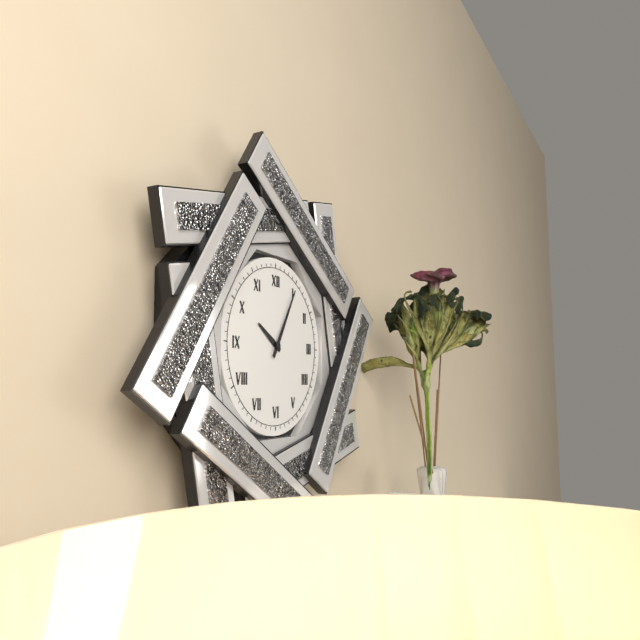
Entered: 10 h 05 min
